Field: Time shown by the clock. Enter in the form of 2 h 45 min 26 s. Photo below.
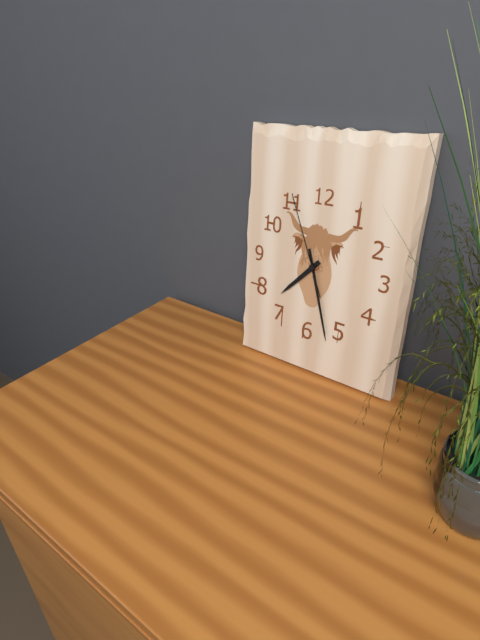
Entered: 7 h 27 min 56 s
